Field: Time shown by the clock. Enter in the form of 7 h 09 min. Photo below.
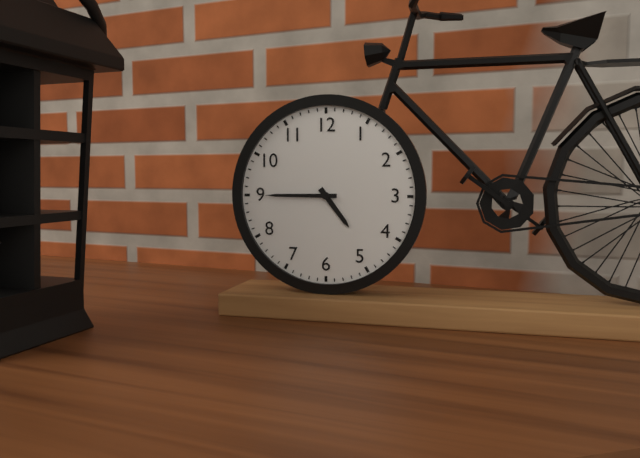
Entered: 4 h 45 min
